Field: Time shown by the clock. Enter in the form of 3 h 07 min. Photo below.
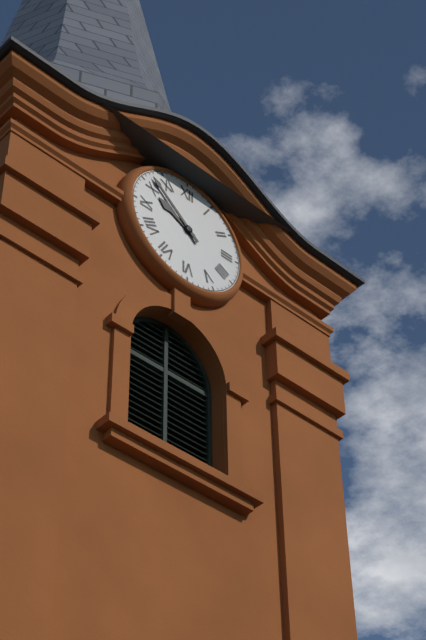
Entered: 9 h 52 min
